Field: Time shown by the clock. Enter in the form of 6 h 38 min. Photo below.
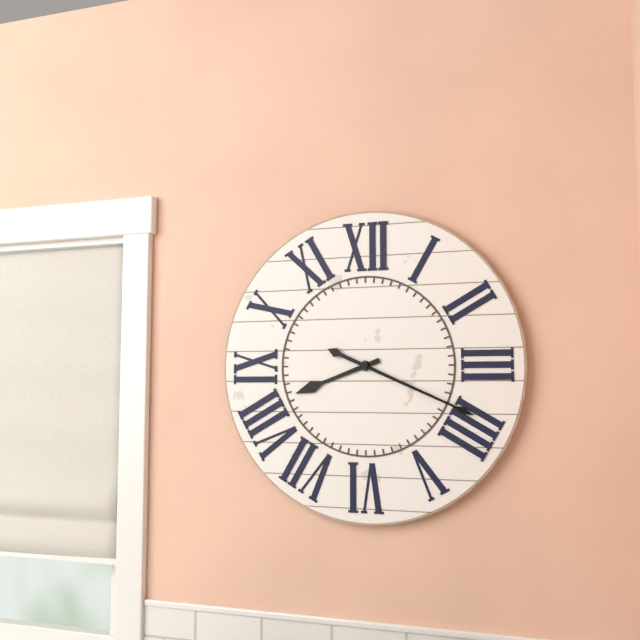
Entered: 8 h 19 min
